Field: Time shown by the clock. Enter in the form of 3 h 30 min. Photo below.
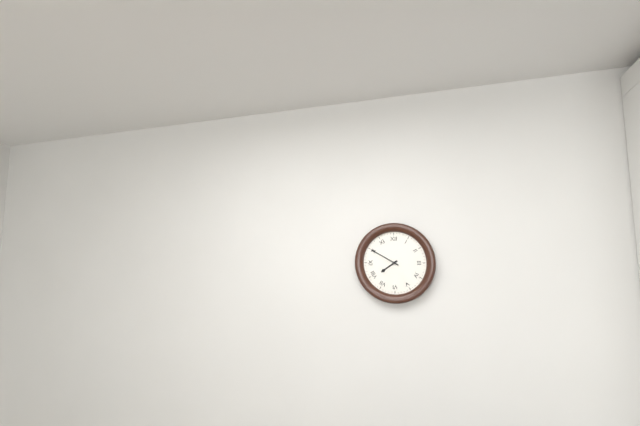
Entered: 7 h 50 min
